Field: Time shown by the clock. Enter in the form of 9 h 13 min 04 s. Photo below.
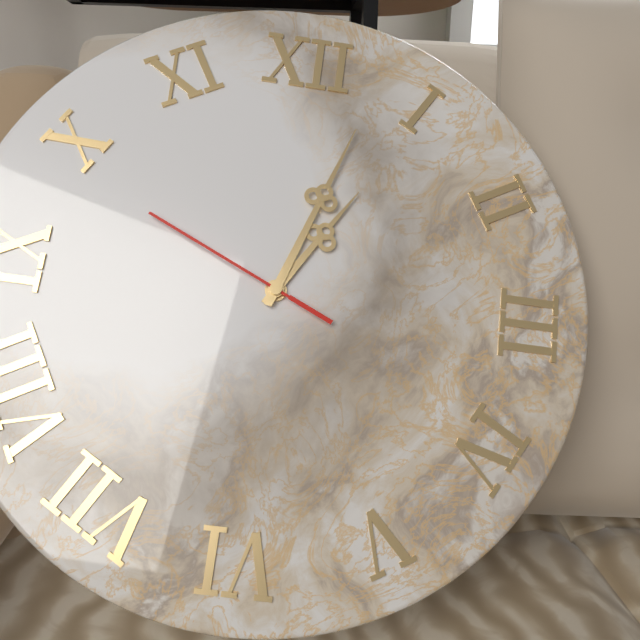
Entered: 1 h 03 min 49 s
